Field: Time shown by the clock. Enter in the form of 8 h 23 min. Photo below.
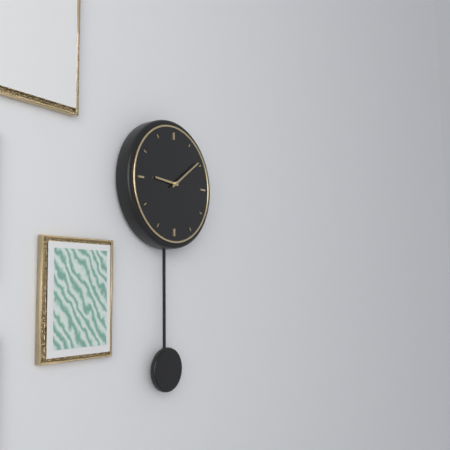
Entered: 9 h 09 min
